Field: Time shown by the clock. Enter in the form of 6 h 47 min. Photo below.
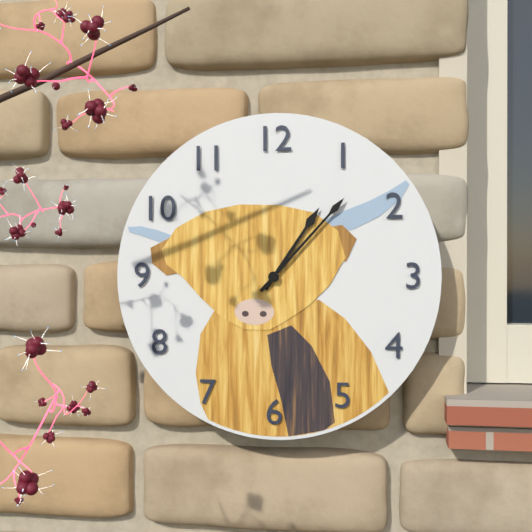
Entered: 1 h 07 min
